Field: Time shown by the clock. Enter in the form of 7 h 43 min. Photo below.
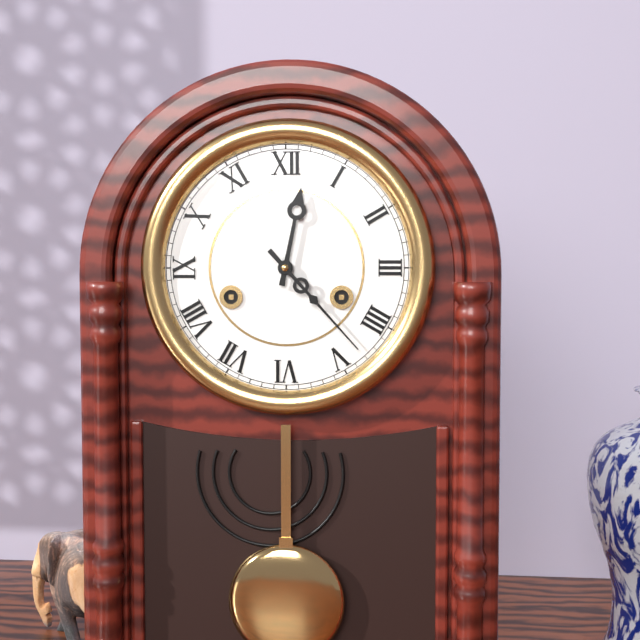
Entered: 12 h 23 min
